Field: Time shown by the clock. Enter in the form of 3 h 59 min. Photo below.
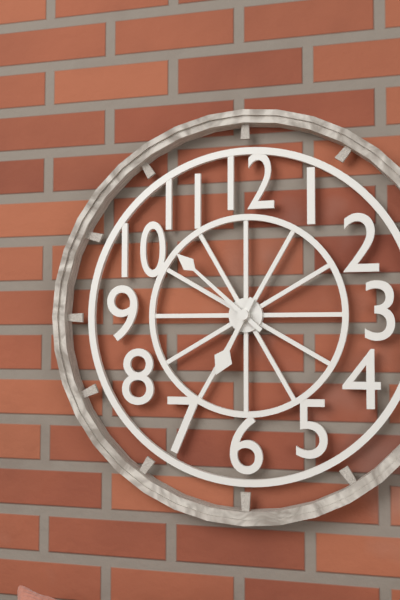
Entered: 6 h 52 min
